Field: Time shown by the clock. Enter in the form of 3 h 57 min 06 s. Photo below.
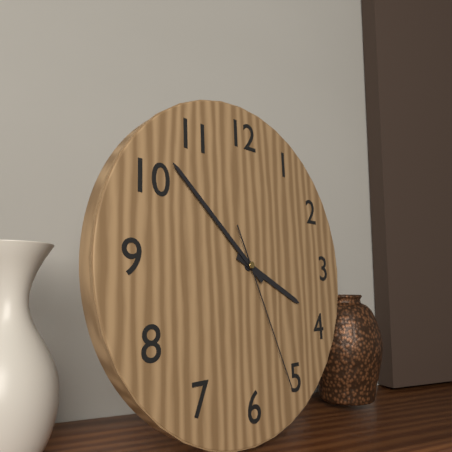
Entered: 3 h 52 min 26 s
